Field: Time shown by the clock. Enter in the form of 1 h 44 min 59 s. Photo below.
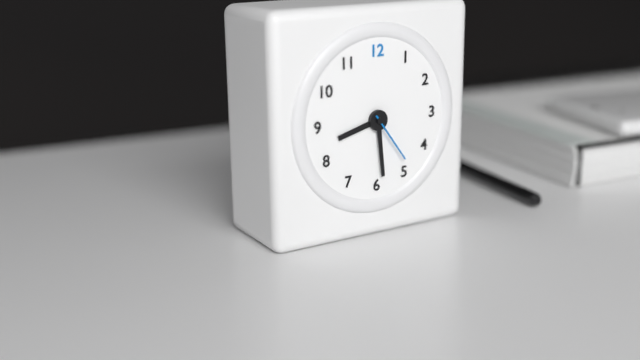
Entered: 8 h 29 min 24 s
